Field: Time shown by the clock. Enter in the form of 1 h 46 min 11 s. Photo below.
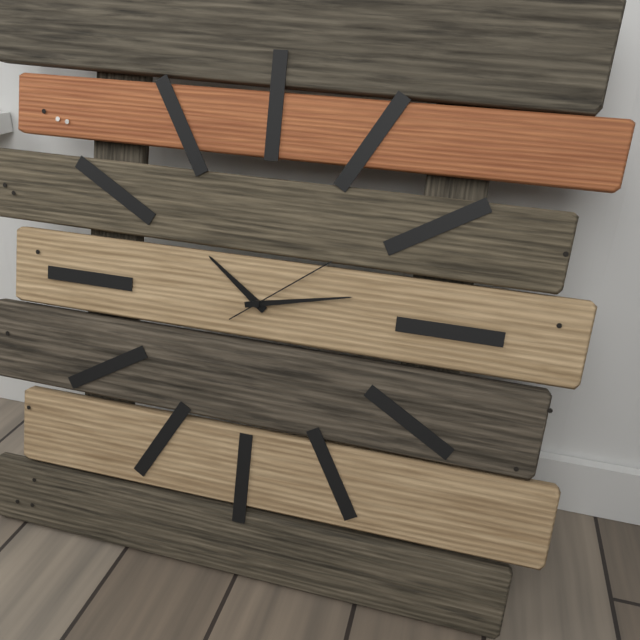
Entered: 10 h 13 min 09 s
